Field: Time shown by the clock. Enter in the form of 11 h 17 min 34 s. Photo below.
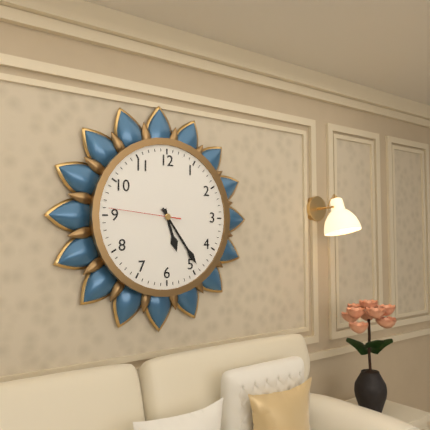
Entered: 5 h 24 min 46 s
